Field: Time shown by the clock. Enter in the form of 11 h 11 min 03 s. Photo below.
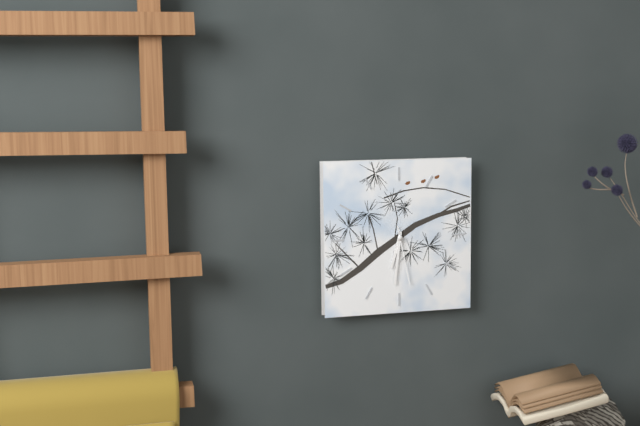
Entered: 6 h 31 min 28 s
